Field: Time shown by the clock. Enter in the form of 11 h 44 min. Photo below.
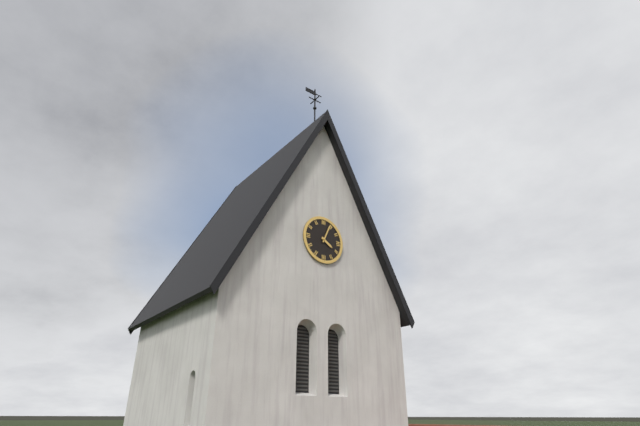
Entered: 4 h 04 min
